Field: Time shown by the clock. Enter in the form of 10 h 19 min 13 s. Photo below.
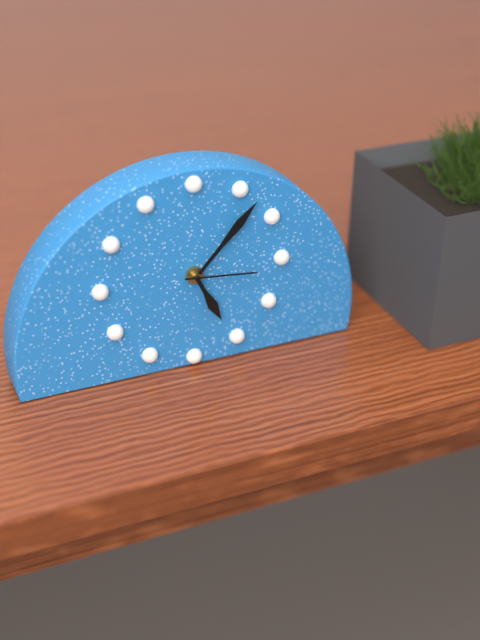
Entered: 5 h 07 min 16 s
